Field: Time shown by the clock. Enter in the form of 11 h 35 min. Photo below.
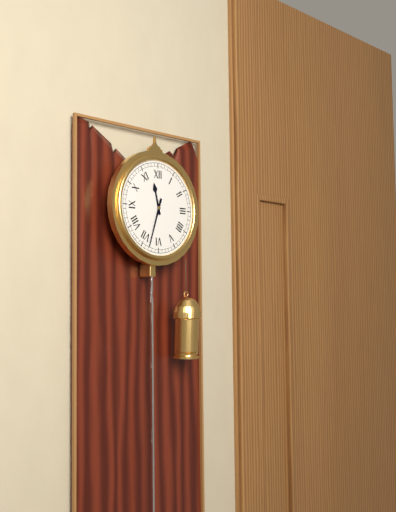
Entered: 11 h 33 min
